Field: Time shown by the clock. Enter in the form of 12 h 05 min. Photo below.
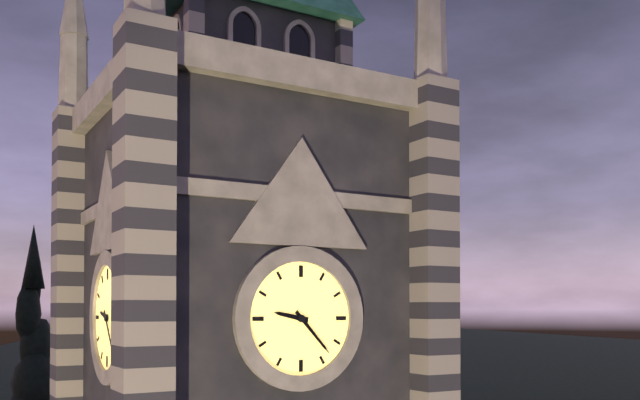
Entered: 9 h 23 min
